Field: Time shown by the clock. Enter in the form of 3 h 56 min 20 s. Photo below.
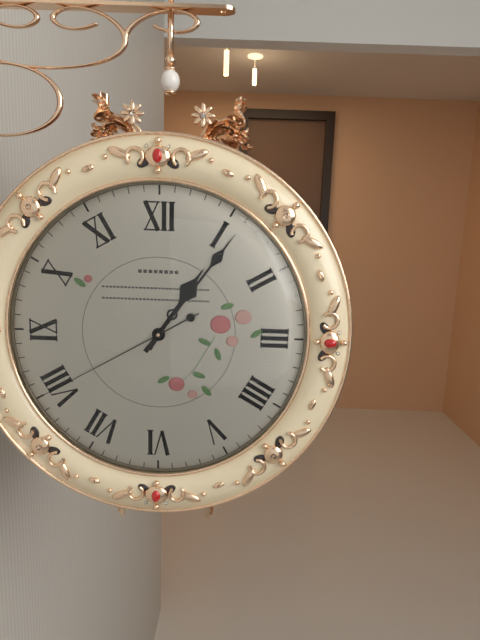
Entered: 1 h 06 min 40 s
